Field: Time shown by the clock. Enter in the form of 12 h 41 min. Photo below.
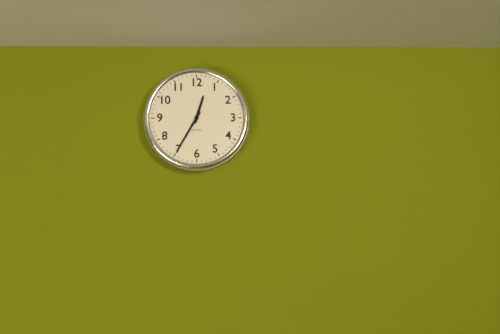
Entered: 12 h 35 min
